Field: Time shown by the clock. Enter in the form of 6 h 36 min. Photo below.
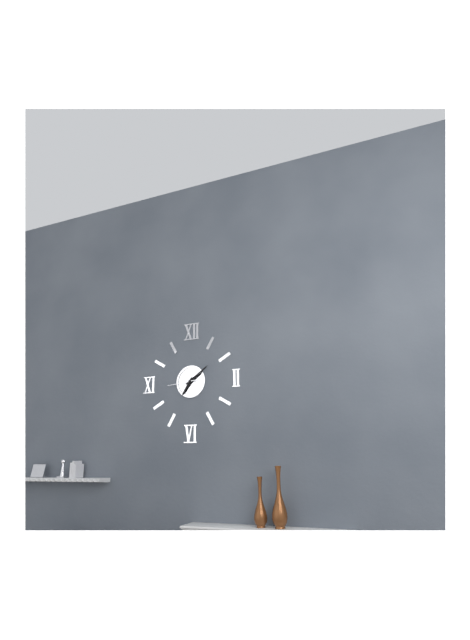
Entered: 7 h 09 min
